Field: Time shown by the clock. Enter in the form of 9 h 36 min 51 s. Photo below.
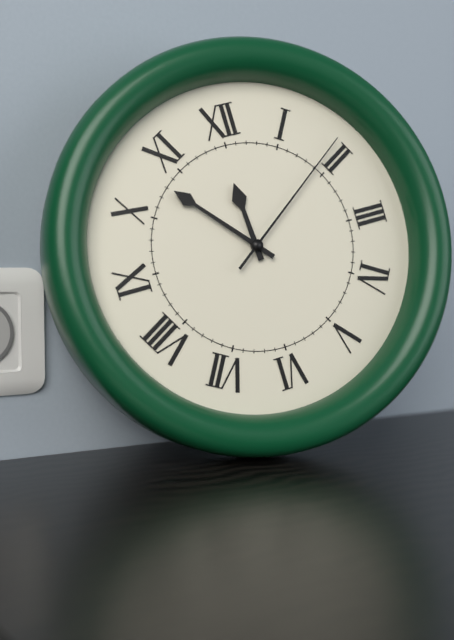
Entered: 11 h 53 min 09 s
